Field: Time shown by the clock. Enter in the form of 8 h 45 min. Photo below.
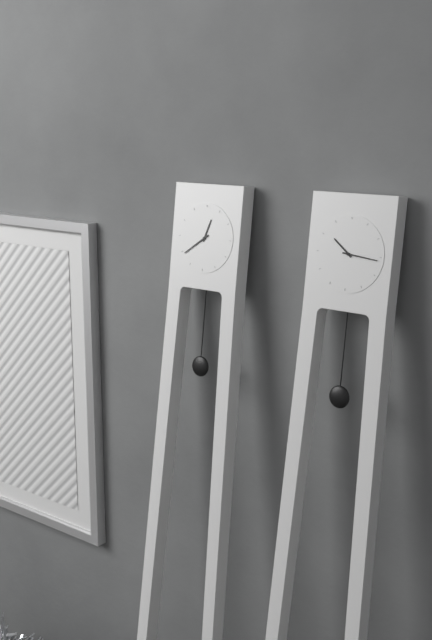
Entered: 12 h 39 min
